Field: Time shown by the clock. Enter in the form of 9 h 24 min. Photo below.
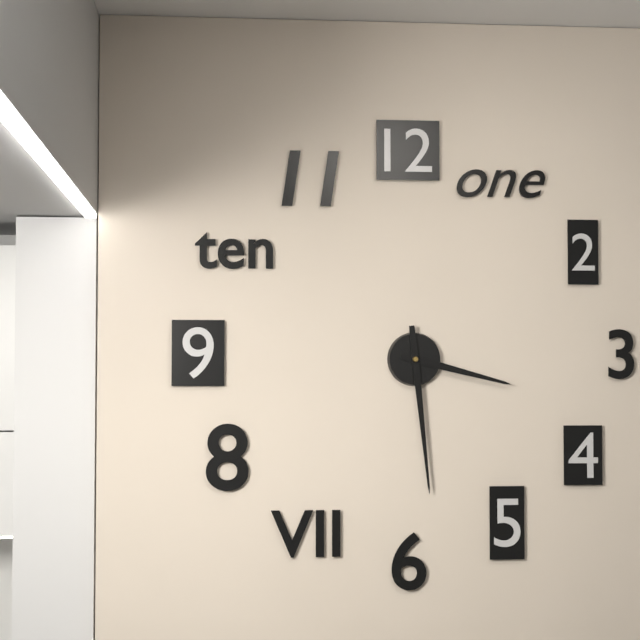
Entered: 3 h 29 min
